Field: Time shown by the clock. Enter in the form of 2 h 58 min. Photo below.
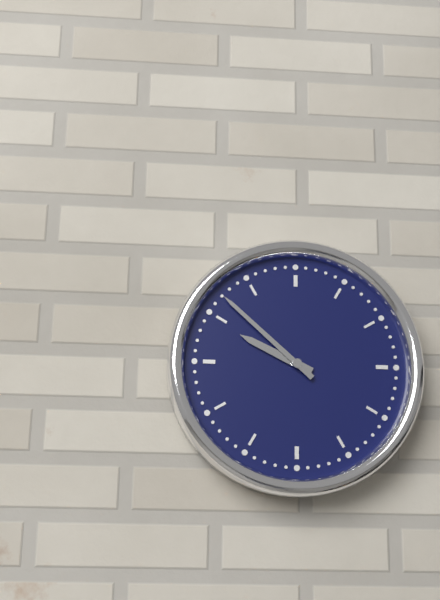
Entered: 9 h 52 min
